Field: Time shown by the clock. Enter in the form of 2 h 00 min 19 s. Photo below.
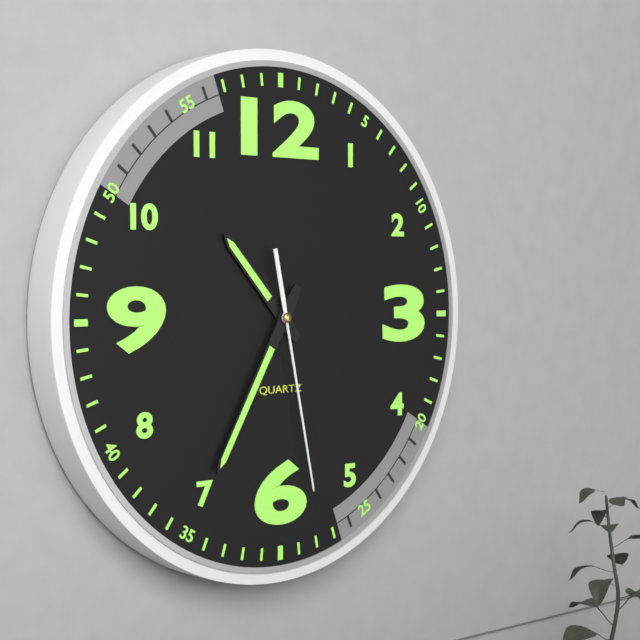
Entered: 10 h 35 min 28 s
